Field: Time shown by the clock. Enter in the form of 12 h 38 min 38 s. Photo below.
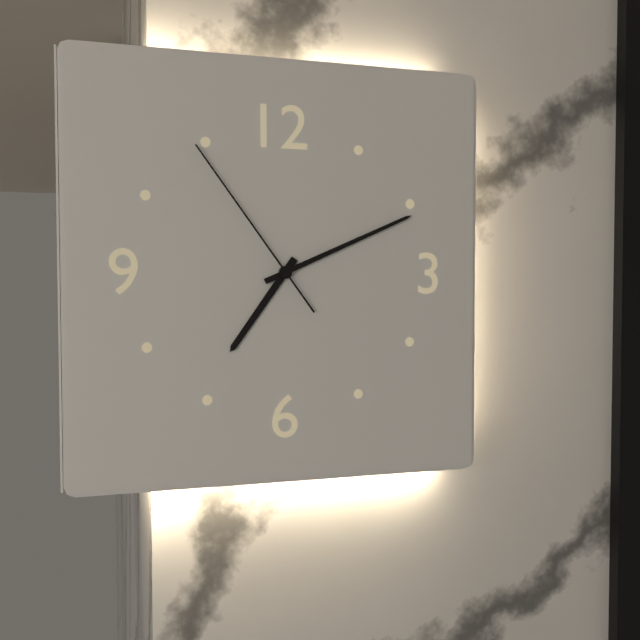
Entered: 7 h 11 min 54 s
